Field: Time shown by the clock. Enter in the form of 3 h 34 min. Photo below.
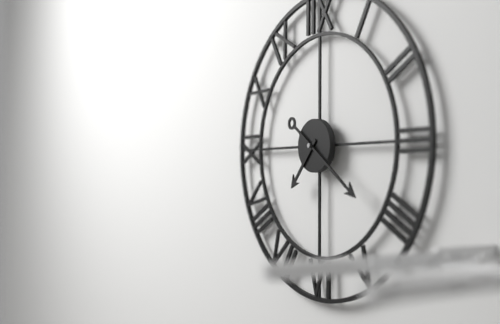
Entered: 7 h 21 min
